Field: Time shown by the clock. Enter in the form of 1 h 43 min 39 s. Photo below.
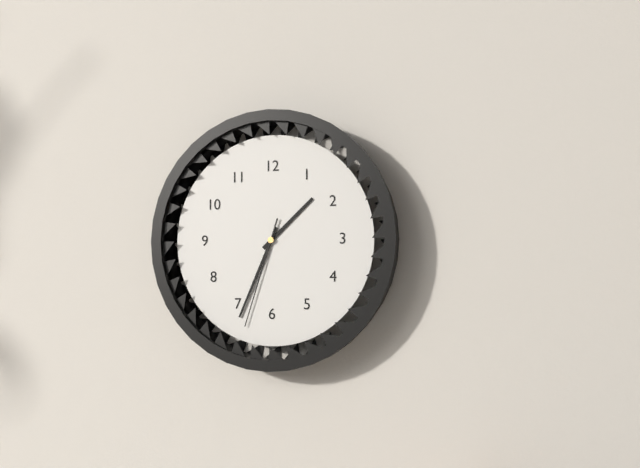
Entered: 1 h 34 min 33 s
